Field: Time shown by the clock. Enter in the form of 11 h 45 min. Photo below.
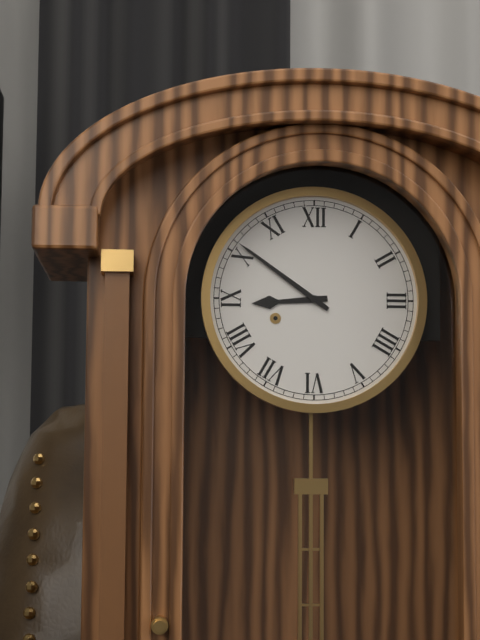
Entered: 8 h 51 min
